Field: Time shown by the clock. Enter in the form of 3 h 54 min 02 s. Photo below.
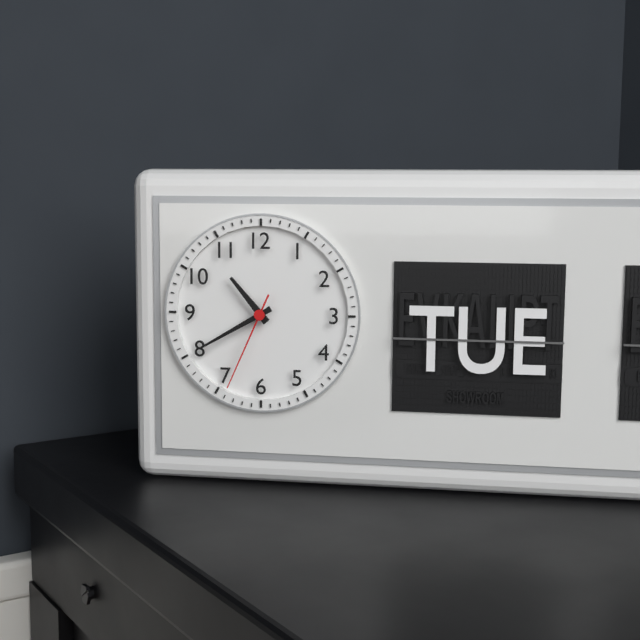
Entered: 10 h 40 min 34 s
